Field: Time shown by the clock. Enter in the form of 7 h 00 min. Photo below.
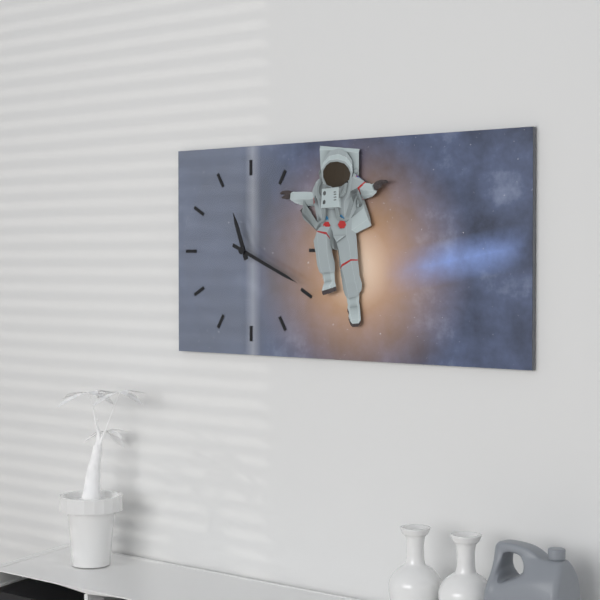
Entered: 11 h 19 min
